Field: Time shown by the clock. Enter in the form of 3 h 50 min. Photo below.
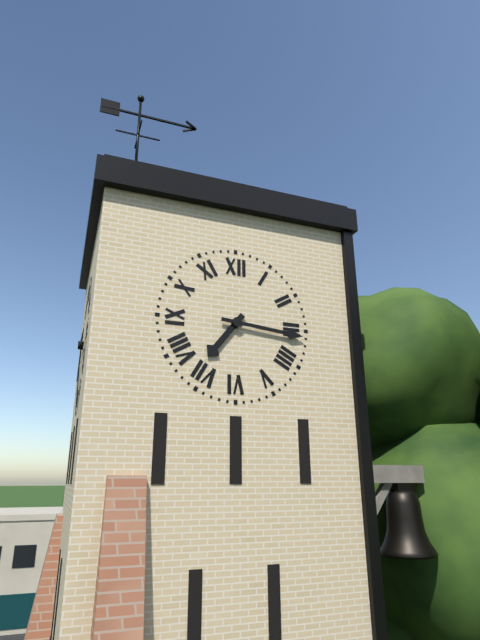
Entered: 7 h 16 min
